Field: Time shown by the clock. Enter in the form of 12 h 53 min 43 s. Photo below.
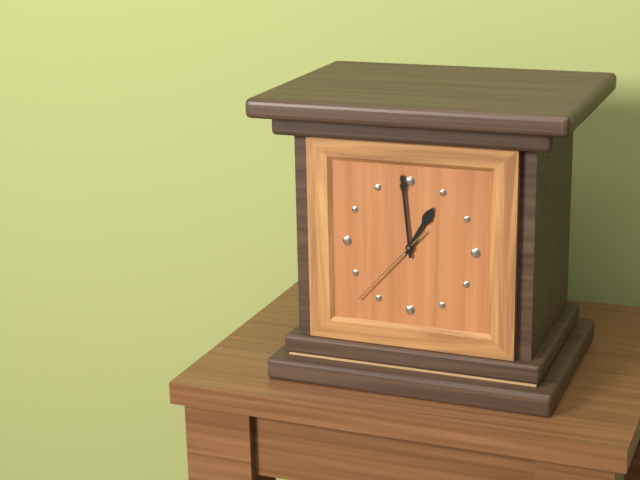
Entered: 12 h 59 min 37 s
